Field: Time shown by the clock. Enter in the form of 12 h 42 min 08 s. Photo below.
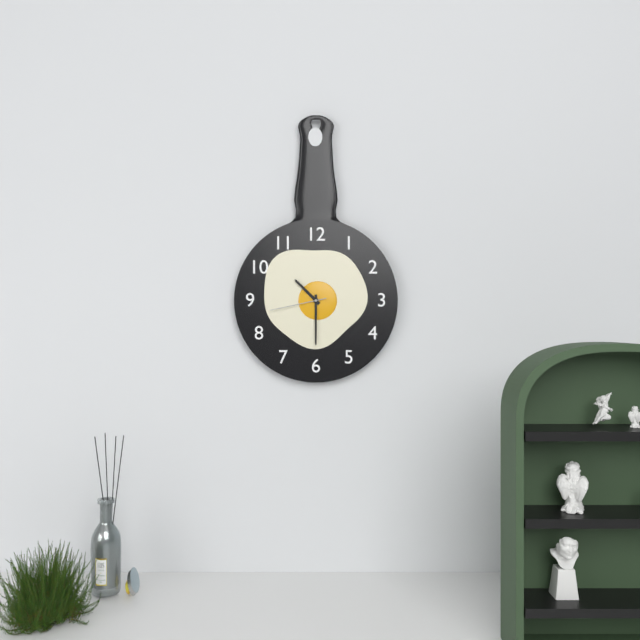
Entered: 10 h 30 min 43 s
